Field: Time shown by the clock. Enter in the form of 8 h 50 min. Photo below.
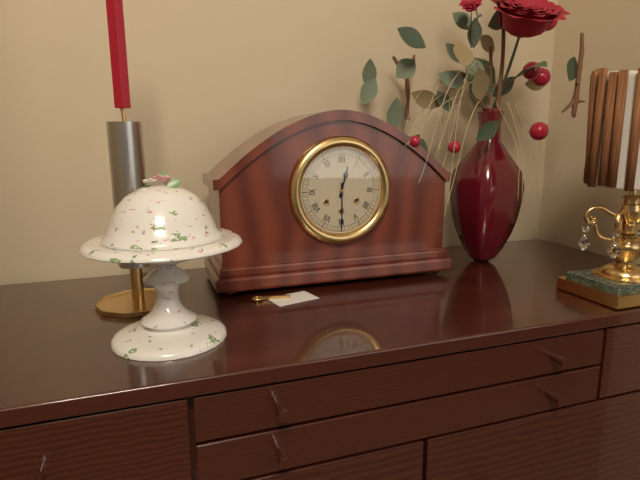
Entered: 12 h 30 min
